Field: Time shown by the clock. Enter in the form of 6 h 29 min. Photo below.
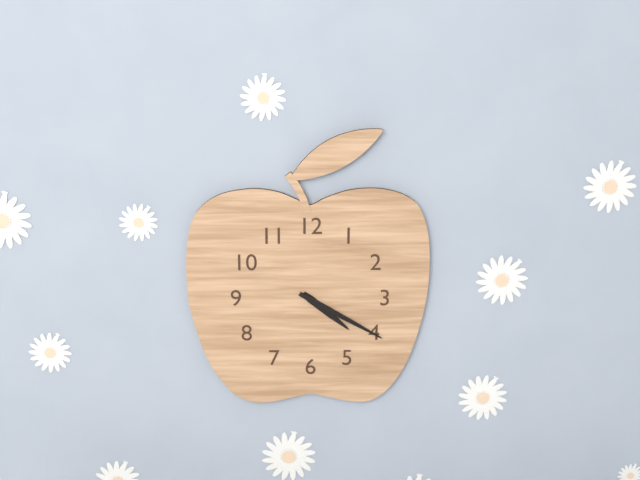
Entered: 4 h 20 min
